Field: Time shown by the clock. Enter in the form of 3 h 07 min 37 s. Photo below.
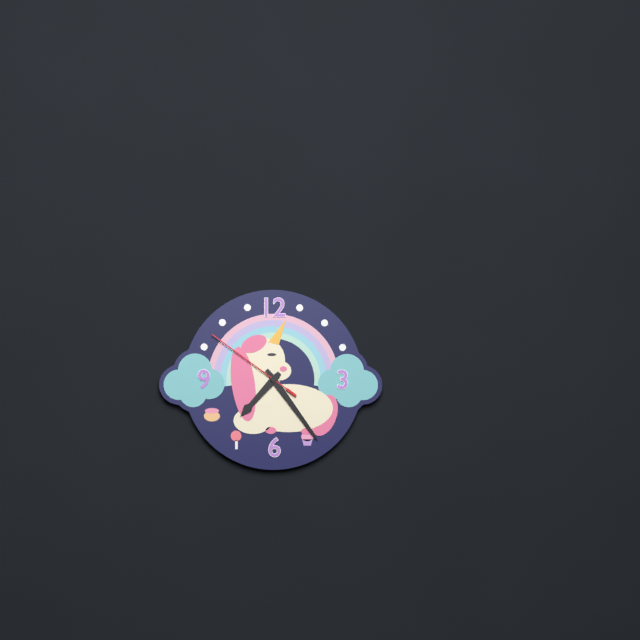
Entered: 7 h 24 min 51 s
